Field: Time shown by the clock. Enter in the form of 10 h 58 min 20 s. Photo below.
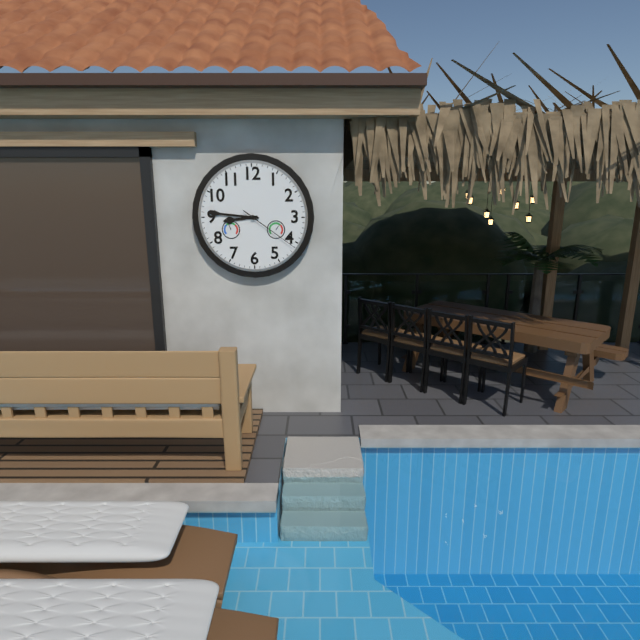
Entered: 8 h 46 min 21 s
